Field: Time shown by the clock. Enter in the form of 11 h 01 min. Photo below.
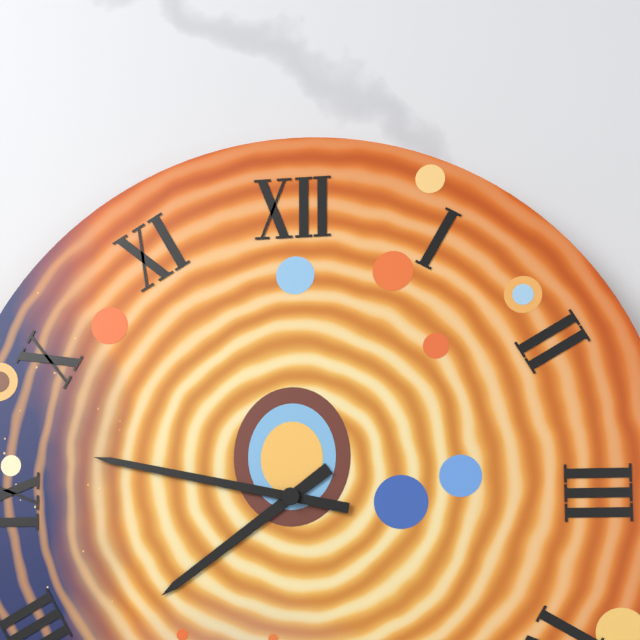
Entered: 7 h 47 min
